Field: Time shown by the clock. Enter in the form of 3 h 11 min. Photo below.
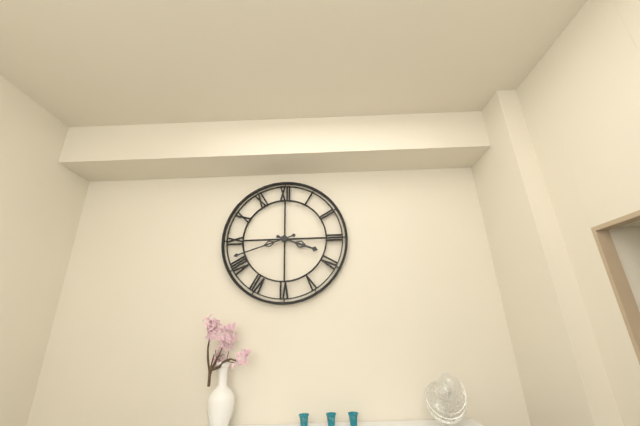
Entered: 3 h 42 min
